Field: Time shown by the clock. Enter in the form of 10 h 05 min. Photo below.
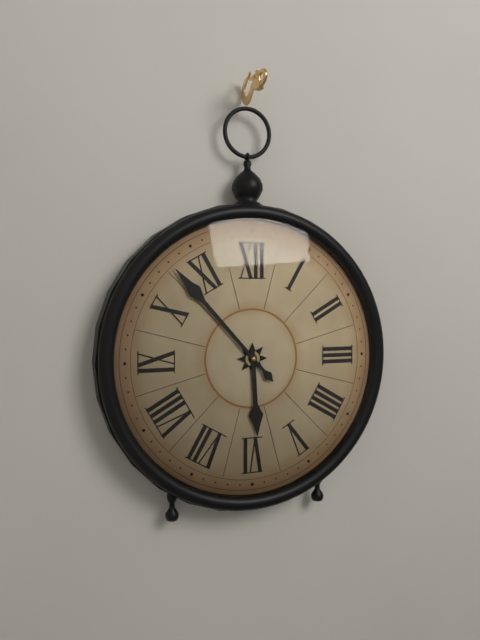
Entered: 5 h 53 min
